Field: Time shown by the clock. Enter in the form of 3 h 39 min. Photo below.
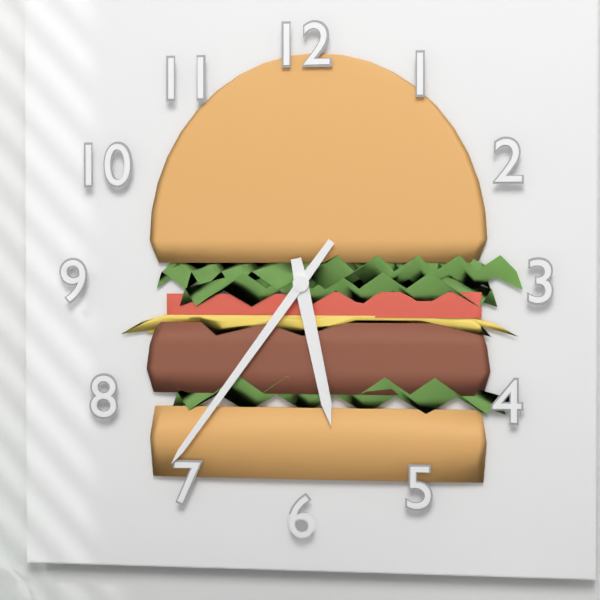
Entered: 5 h 36 min
